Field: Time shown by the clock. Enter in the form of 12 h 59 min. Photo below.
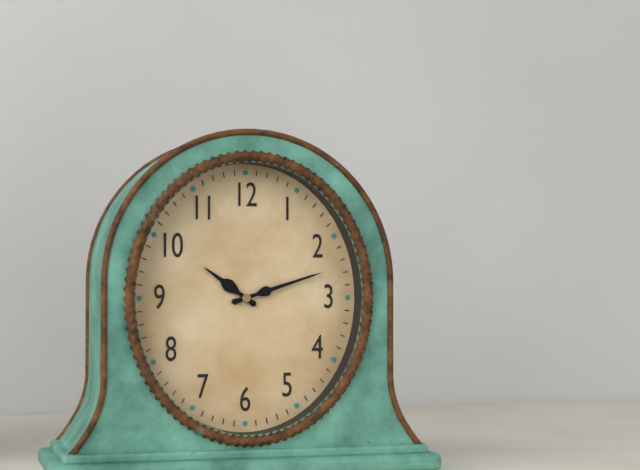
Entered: 10 h 12 min
